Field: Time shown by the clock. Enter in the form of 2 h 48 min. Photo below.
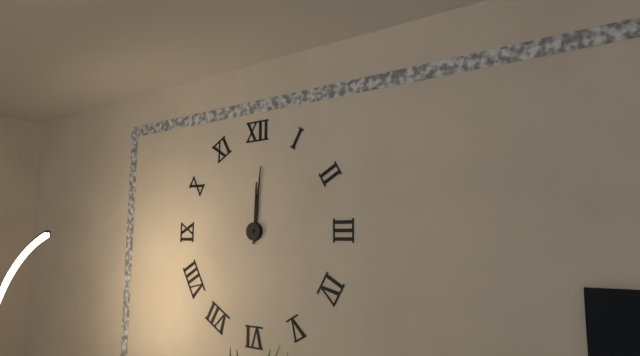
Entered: 12 h 01 min
